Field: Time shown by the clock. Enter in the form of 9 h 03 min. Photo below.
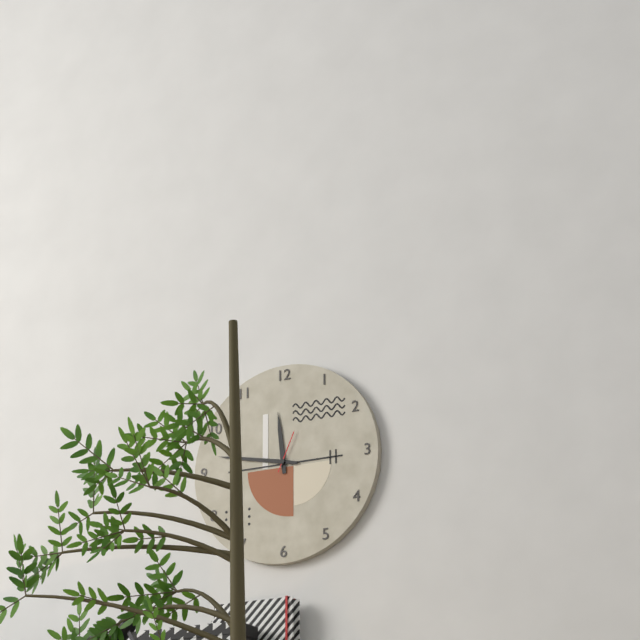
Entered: 11 h 47 min
